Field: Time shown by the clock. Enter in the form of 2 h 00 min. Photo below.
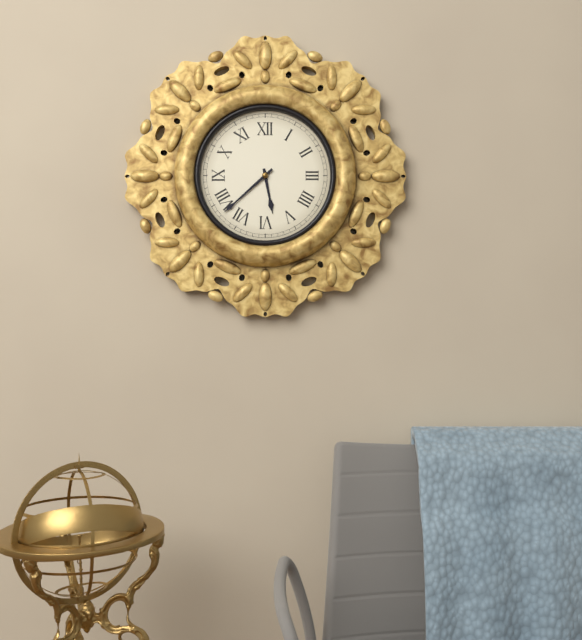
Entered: 5 h 38 min
